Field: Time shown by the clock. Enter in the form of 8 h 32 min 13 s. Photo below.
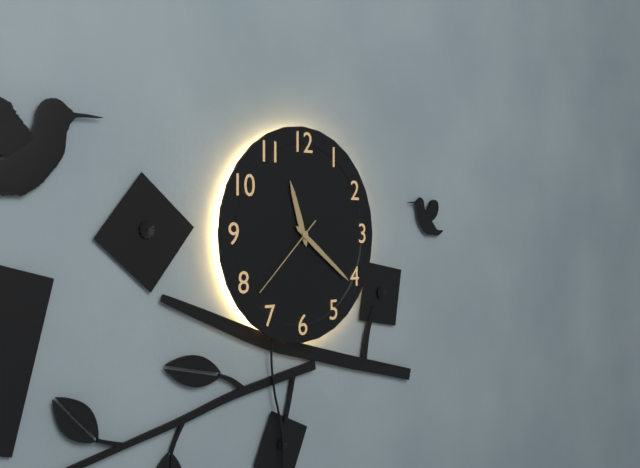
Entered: 11 h 21 min 38 s
